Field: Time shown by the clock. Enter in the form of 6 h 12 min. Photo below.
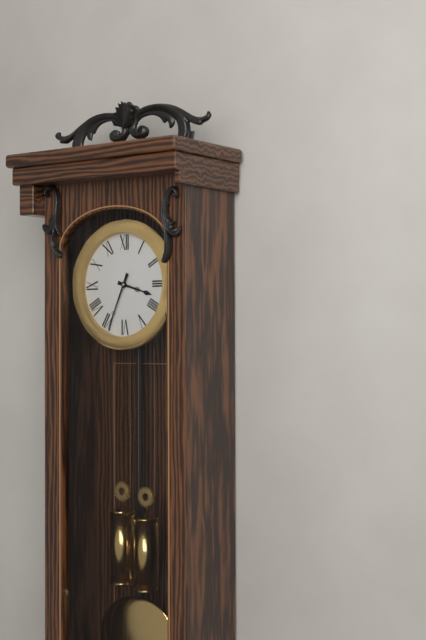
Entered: 3 h 34 min
